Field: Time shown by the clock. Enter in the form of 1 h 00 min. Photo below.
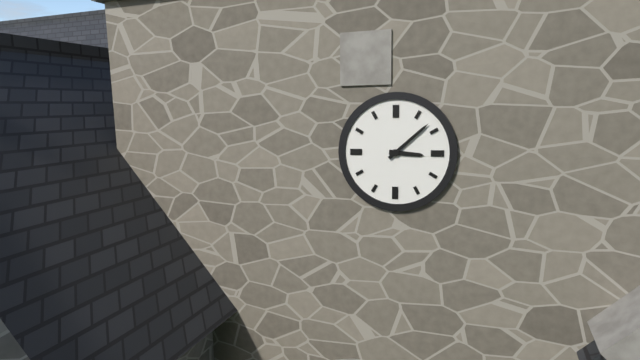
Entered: 3 h 08 min
